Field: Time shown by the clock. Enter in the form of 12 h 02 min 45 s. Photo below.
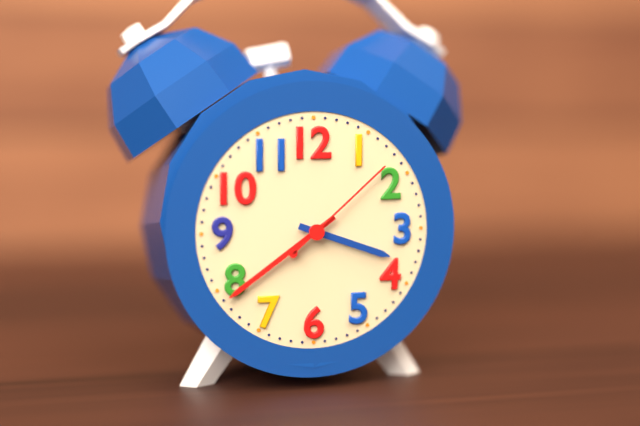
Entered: 3 h 39 min 08 s
